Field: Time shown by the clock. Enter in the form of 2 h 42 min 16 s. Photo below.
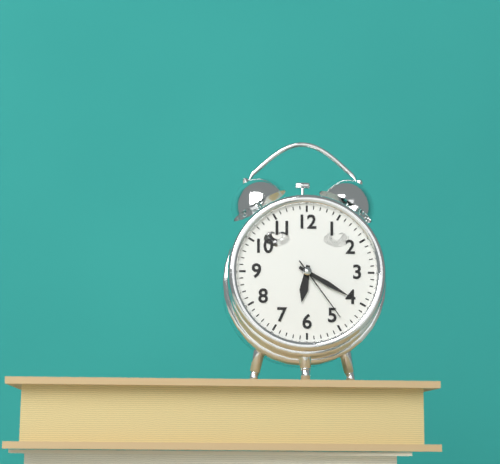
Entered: 6 h 20 min 24 s
